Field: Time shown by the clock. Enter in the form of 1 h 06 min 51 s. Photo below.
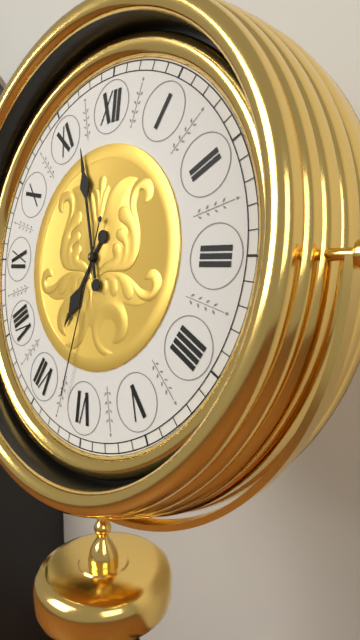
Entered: 6 h 57 min 32 s
